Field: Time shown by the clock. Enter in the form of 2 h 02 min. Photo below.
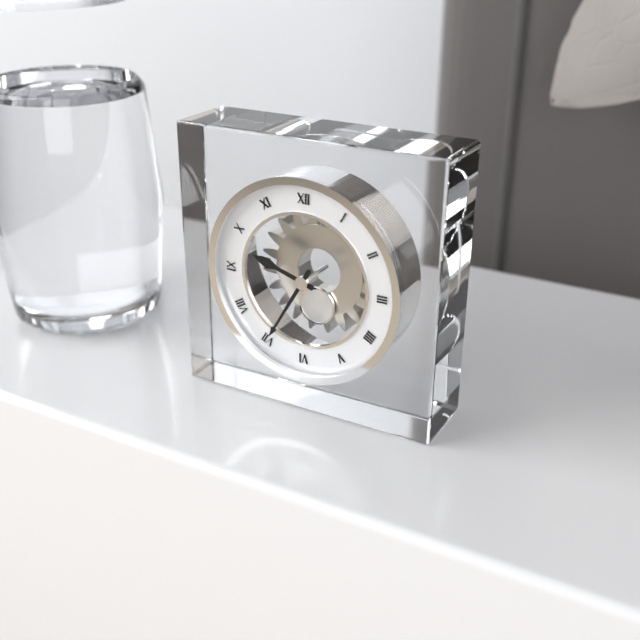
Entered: 9 h 35 min
